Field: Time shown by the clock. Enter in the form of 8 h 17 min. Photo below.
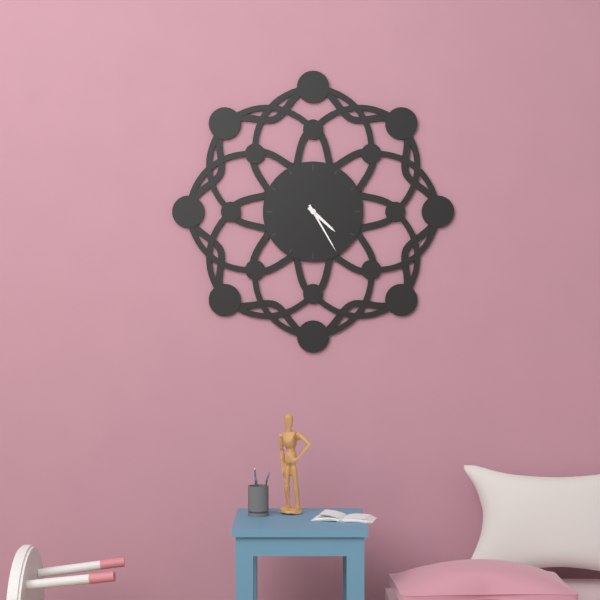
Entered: 4 h 25 min
